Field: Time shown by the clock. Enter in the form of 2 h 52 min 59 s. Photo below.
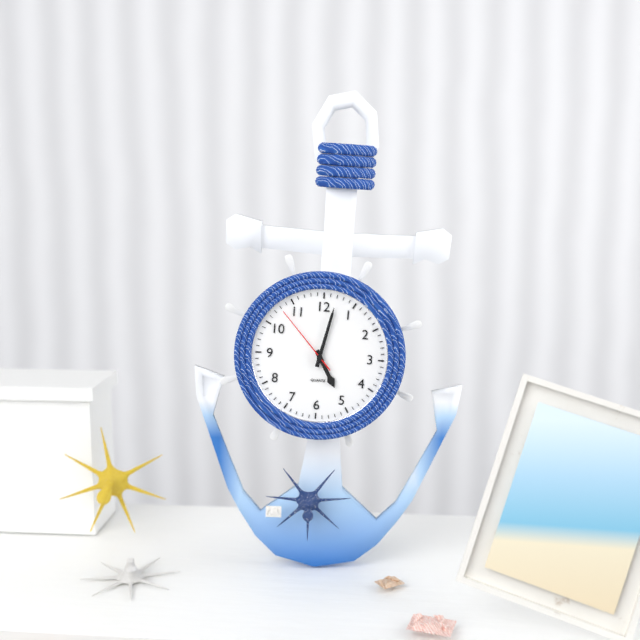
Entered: 5 h 02 min 53 s
